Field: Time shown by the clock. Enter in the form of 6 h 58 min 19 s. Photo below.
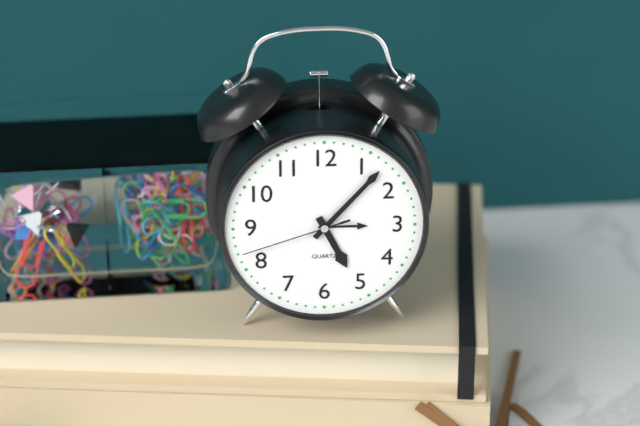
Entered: 5 h 07 min 42 s
